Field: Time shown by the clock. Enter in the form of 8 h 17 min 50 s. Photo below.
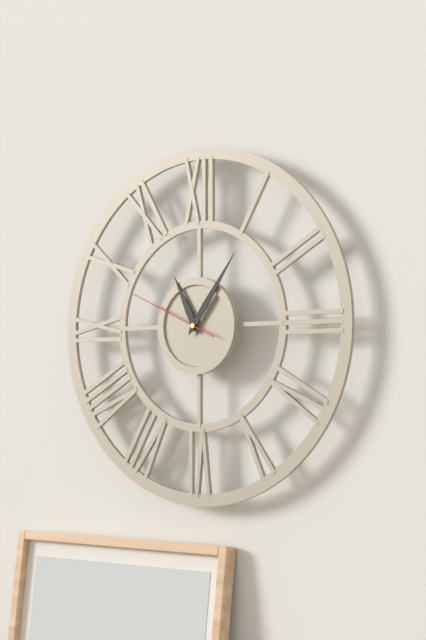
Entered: 11 h 06 min 49 s
